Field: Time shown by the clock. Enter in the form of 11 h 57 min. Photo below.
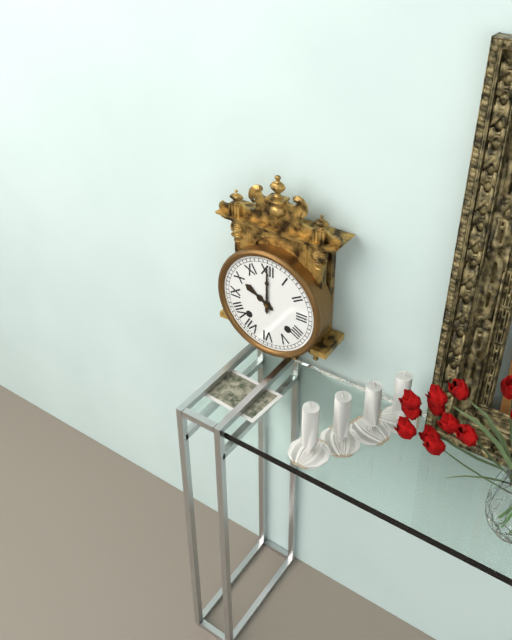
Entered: 10 h 00 min
